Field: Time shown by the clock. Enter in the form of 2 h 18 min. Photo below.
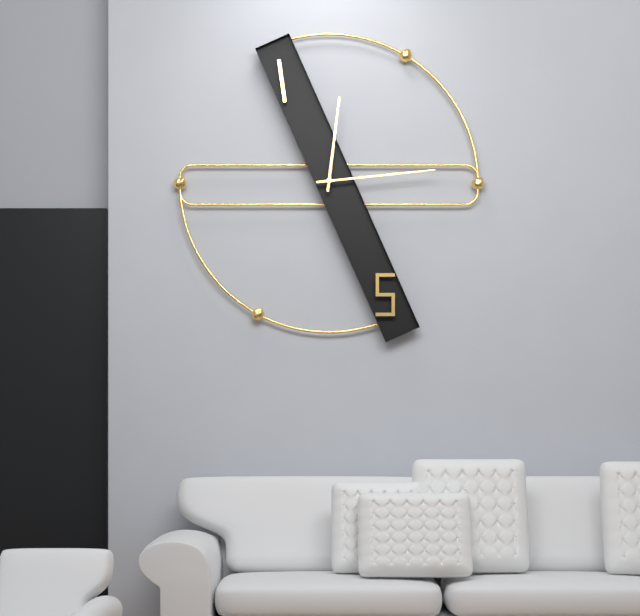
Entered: 12 h 14 min
